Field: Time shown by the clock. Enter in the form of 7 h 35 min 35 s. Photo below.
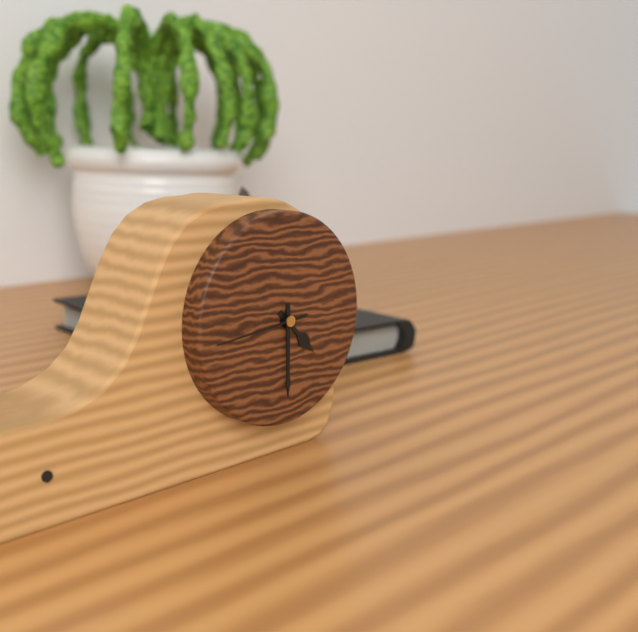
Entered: 4 h 30 min 44 s
